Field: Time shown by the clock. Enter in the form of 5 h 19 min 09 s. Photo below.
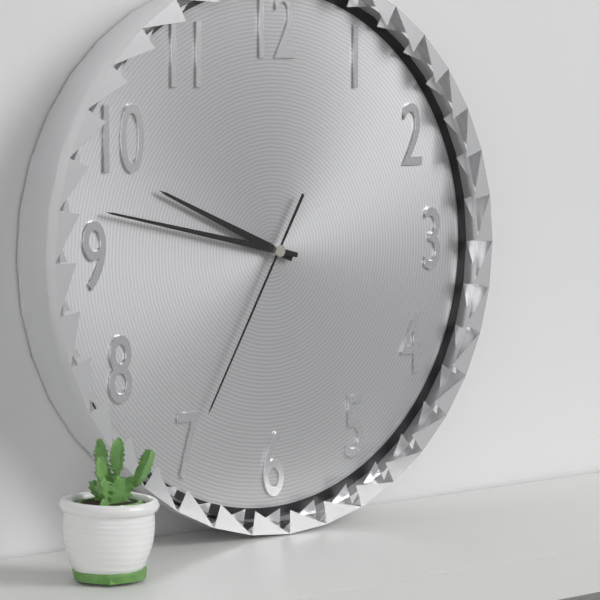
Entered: 9 h 47 min 35 s
